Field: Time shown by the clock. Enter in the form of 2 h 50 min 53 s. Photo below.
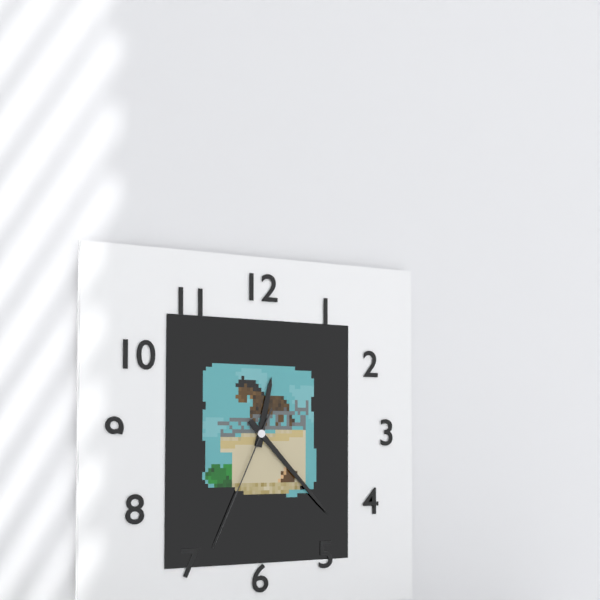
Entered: 12 h 23 min 34 s
